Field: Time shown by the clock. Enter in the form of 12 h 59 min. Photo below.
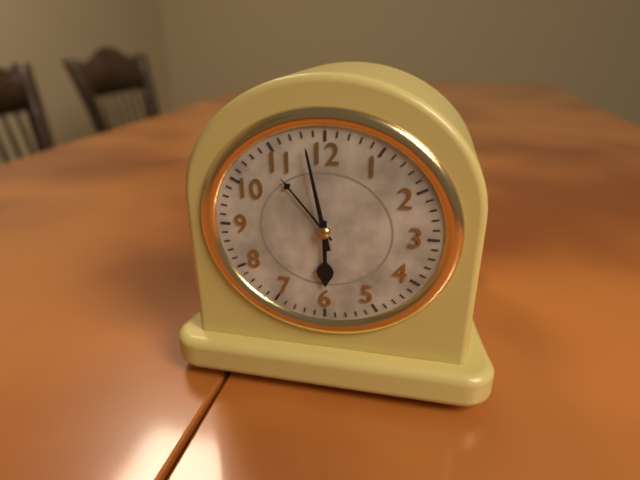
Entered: 5 h 58 min
